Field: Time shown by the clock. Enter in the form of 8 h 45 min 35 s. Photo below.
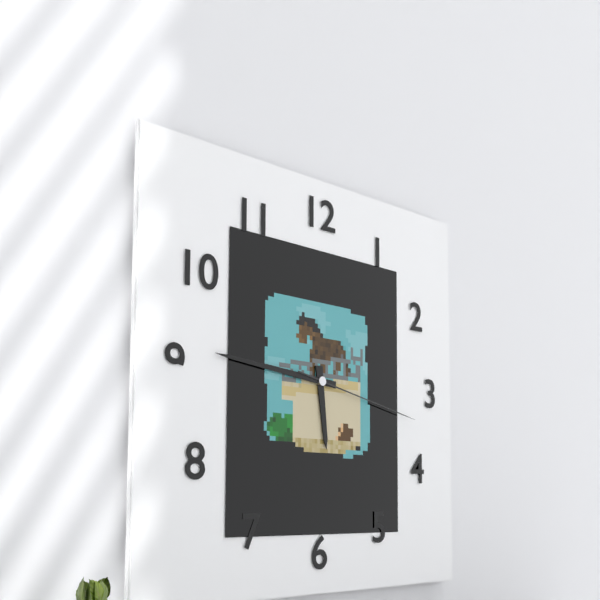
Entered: 5 h 46 min 17 s
